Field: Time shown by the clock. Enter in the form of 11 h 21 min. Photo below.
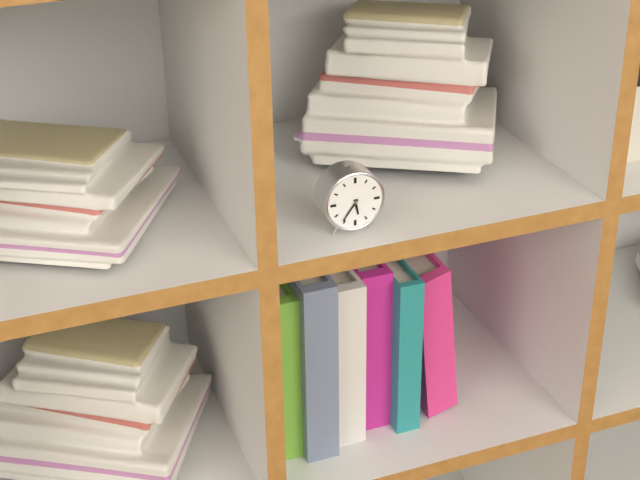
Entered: 5 h 36 min
